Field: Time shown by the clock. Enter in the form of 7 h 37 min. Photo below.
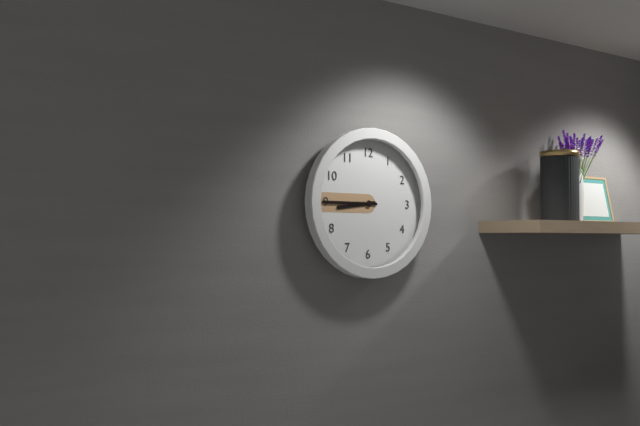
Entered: 8 h 45 min
